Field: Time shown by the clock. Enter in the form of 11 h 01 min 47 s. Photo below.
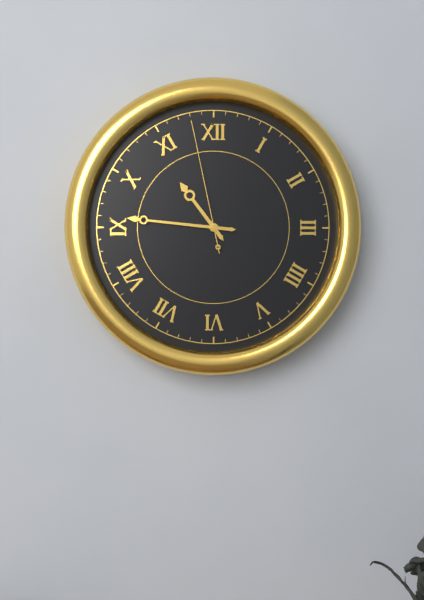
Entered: 10 h 46 min 58 s
